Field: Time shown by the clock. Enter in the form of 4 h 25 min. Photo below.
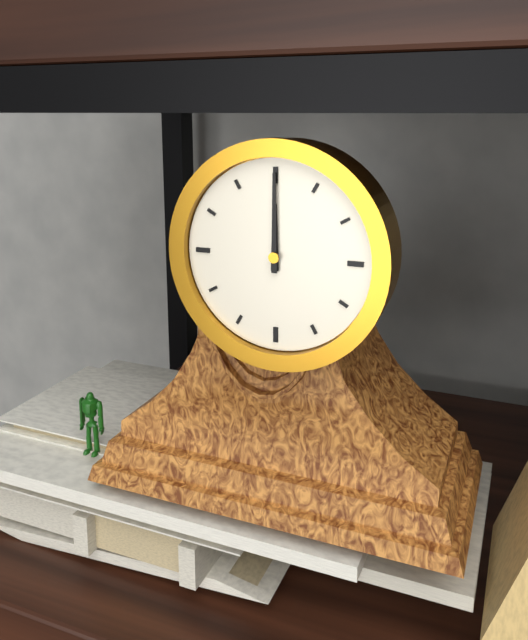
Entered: 12 h 00 min
